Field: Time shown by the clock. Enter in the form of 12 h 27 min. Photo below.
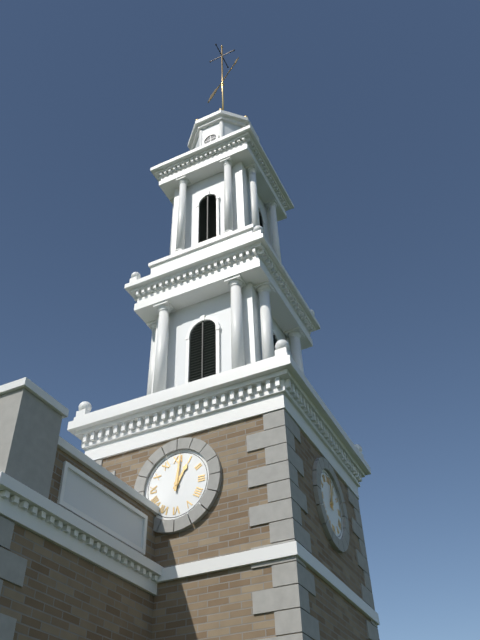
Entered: 1 h 01 min
